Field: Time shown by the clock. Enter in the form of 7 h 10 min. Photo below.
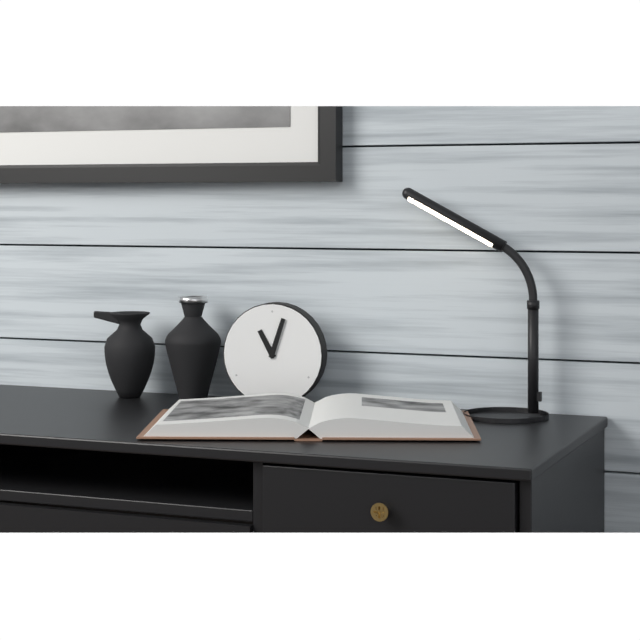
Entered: 11 h 03 min
